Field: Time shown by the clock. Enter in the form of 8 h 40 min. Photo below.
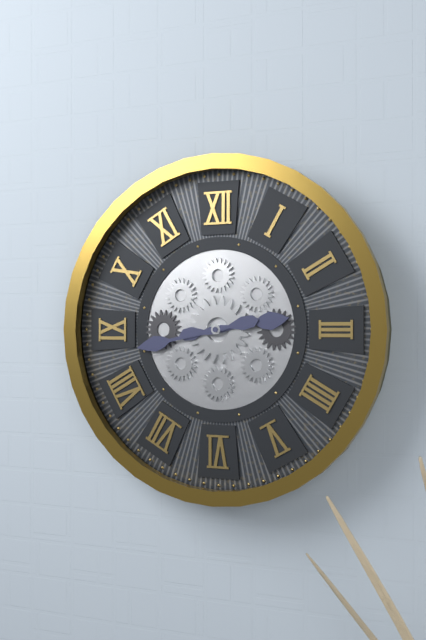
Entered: 2 h 43 min
